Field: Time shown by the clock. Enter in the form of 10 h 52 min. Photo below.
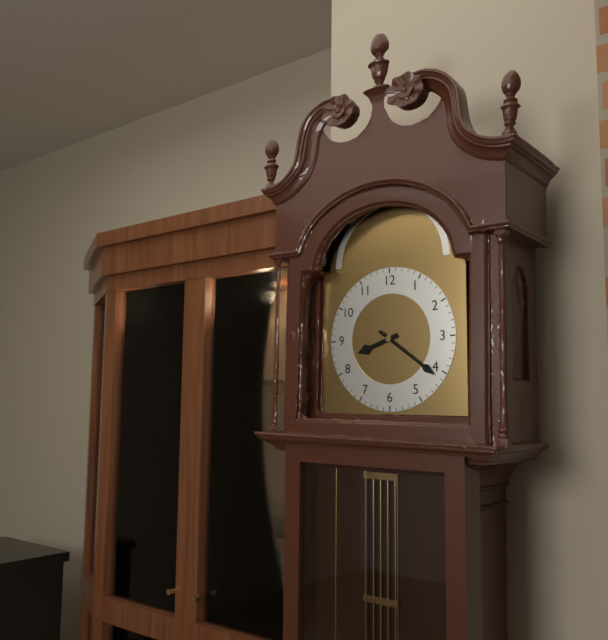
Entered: 8 h 21 min
